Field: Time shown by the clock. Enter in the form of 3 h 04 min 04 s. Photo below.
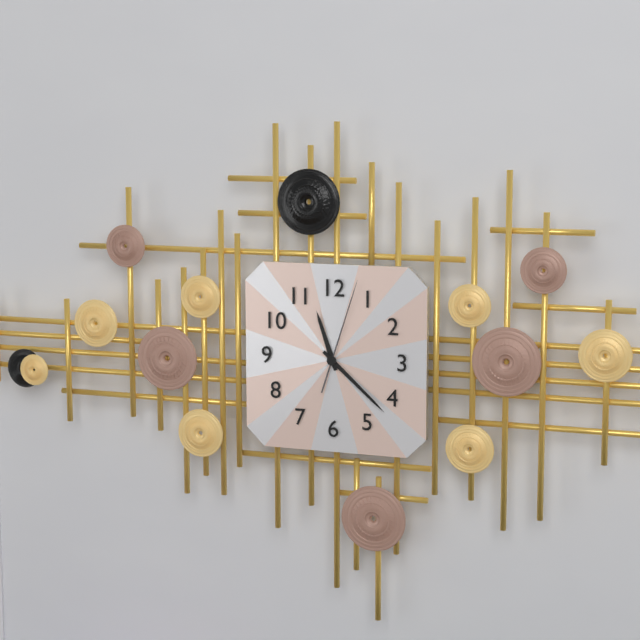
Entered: 11 h 22 min 03 s
